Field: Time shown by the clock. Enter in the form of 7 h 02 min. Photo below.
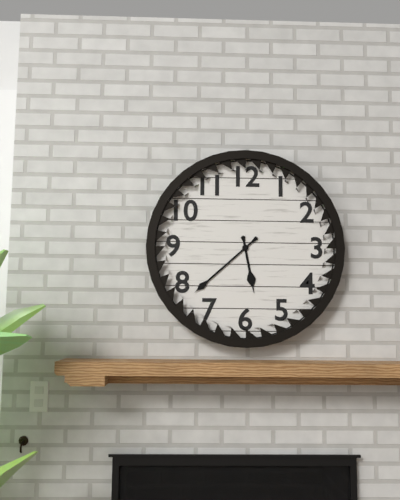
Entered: 5 h 38 min
